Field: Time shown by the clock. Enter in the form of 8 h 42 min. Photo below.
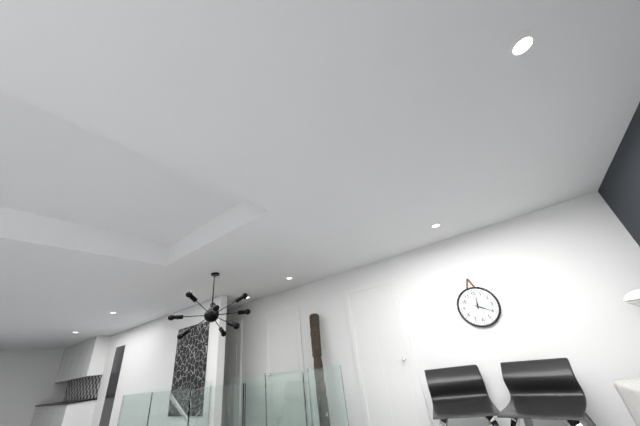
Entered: 12 h 20 min
